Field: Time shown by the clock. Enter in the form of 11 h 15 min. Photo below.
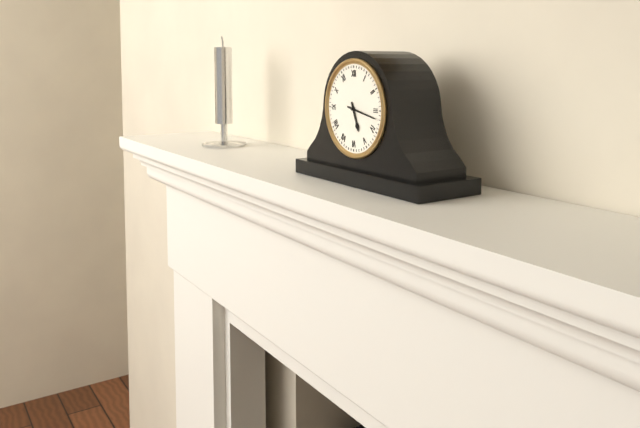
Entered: 5 h 17 min
